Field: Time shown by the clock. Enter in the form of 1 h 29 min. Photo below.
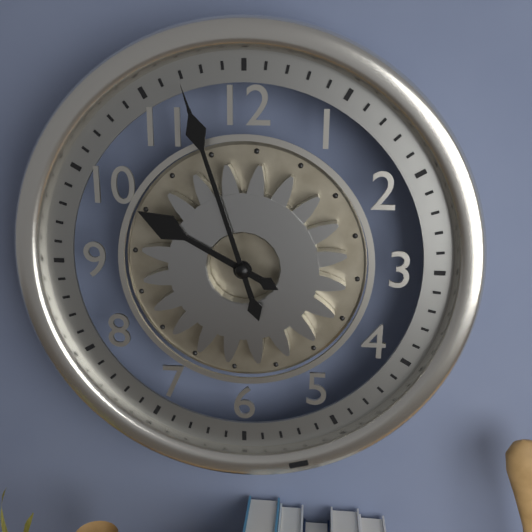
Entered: 9 h 57 min
